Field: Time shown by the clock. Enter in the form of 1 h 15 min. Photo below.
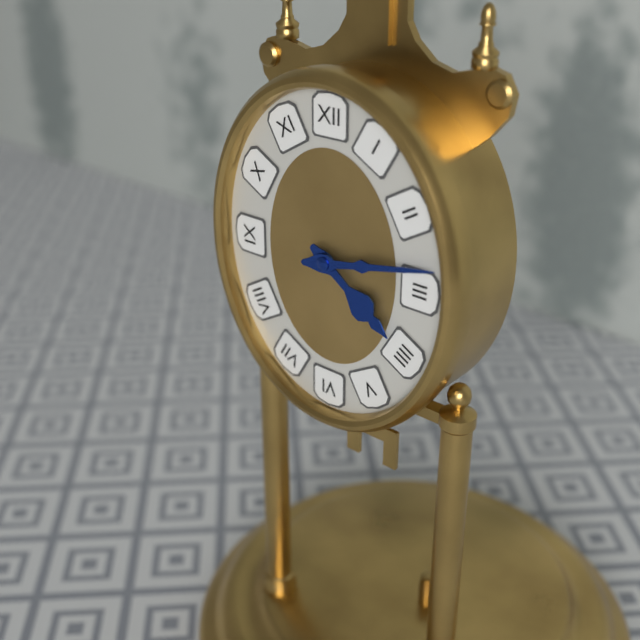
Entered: 4 h 13 min
